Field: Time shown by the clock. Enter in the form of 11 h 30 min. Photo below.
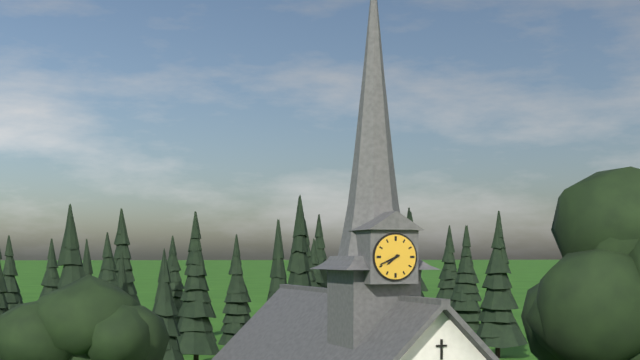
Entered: 7 h 41 min
